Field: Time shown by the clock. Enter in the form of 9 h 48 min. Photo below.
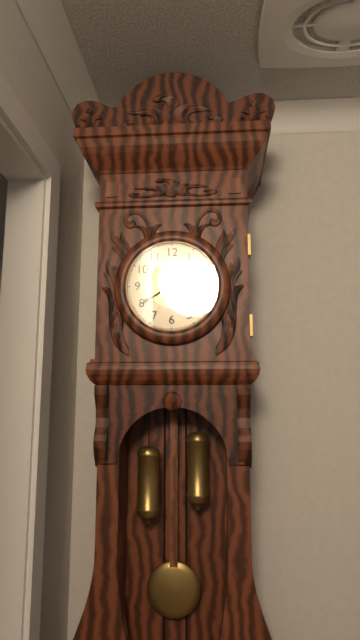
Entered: 11 h 40 min
